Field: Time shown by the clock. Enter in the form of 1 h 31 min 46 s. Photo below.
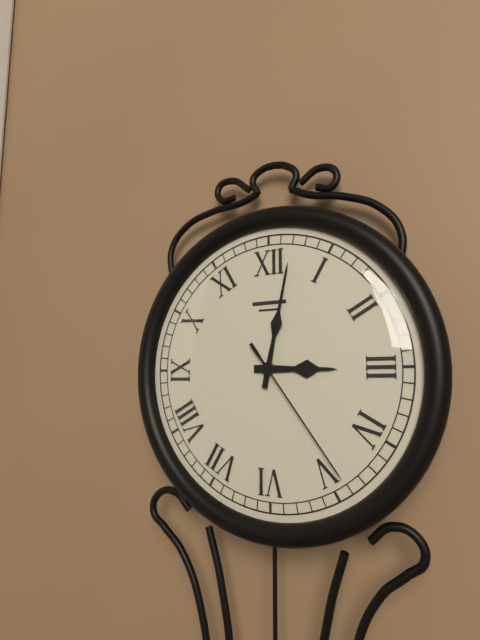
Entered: 3 h 02 min 24 s
